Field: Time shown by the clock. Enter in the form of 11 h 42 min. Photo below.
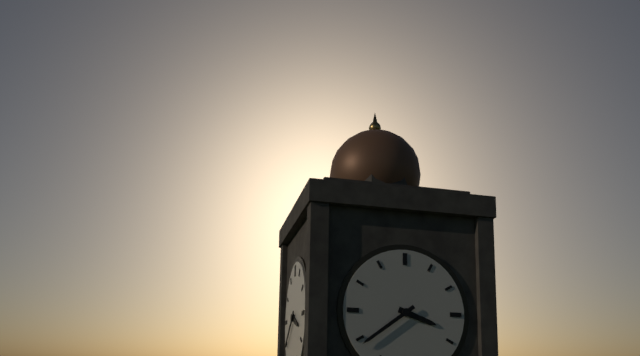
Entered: 3 h 39 min
